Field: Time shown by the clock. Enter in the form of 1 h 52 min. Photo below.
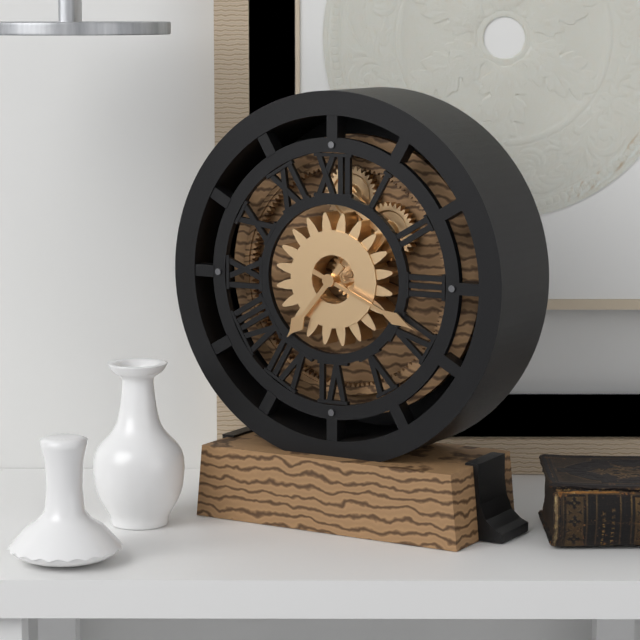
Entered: 7 h 19 min
